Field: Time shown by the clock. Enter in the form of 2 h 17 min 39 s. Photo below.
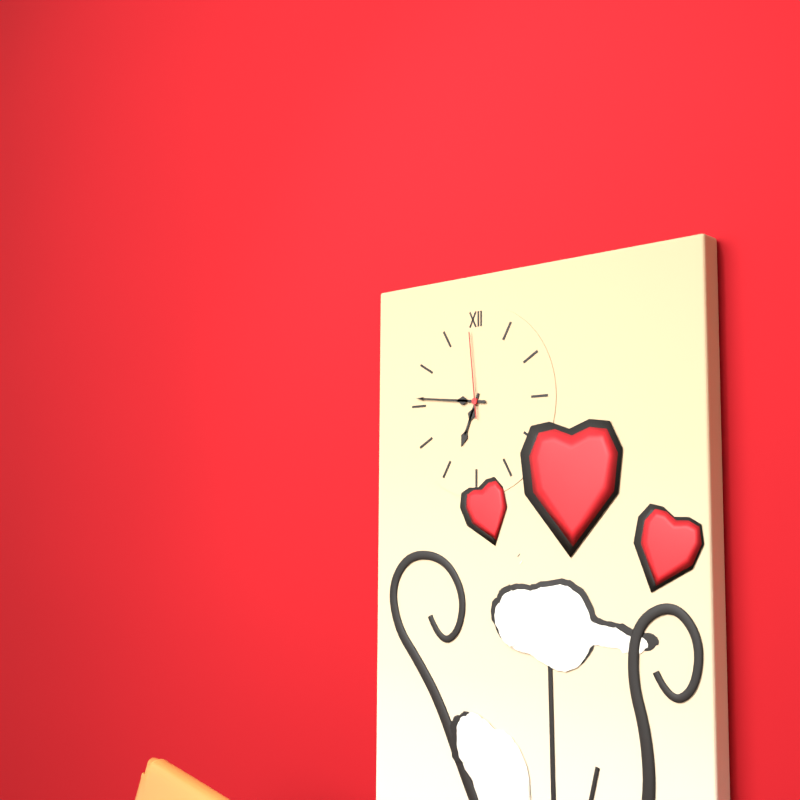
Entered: 6 h 46 min 59 s
